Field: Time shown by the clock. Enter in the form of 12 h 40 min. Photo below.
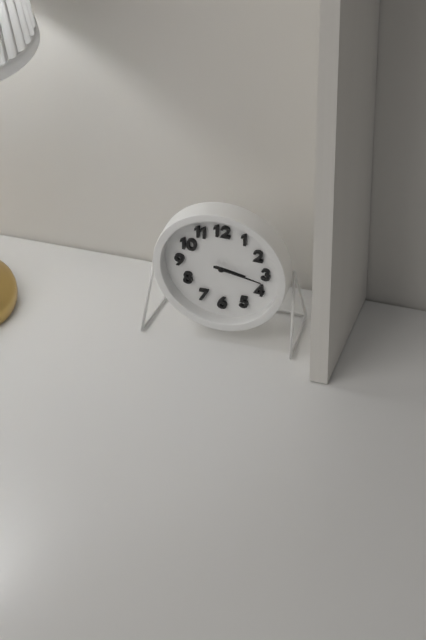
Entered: 3 h 17 min
